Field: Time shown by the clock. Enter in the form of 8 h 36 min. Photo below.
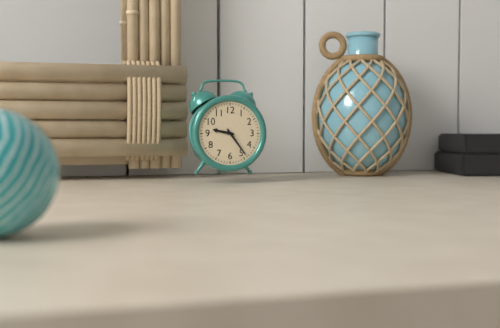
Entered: 9 h 24 min
